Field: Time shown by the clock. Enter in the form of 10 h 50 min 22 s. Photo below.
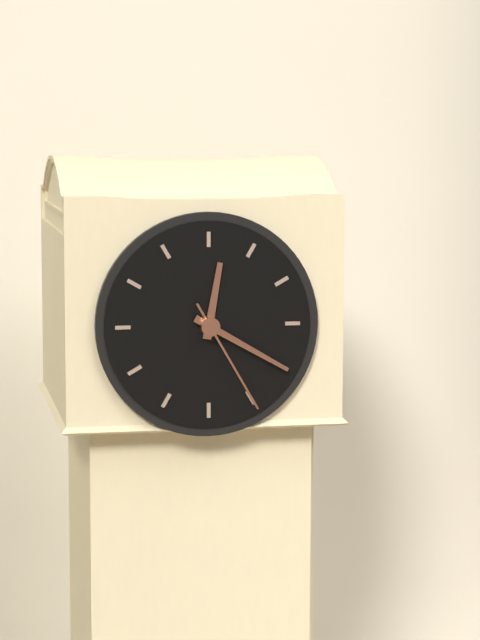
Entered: 12 h 20 min 25 s
